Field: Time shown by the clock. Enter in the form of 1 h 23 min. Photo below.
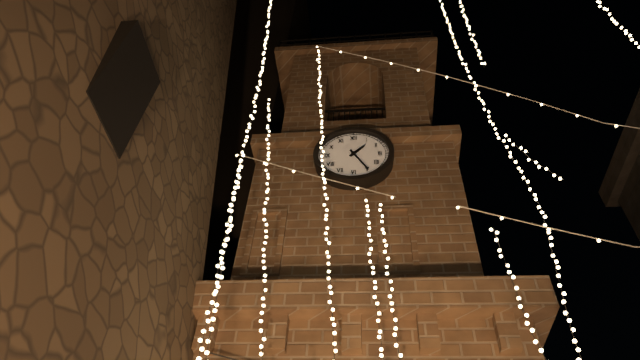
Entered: 1 h 25 min
